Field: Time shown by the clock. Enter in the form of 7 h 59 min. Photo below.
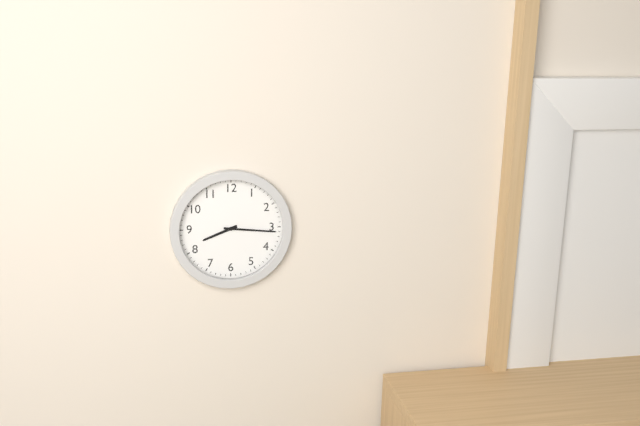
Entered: 8 h 16 min
